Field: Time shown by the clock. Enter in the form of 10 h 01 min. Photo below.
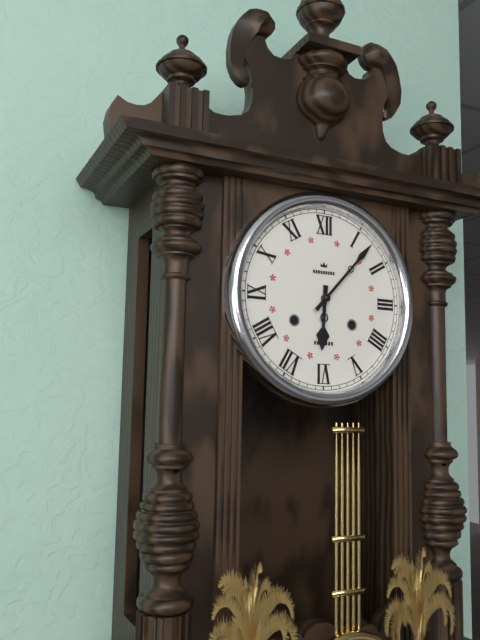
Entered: 6 h 07 min
